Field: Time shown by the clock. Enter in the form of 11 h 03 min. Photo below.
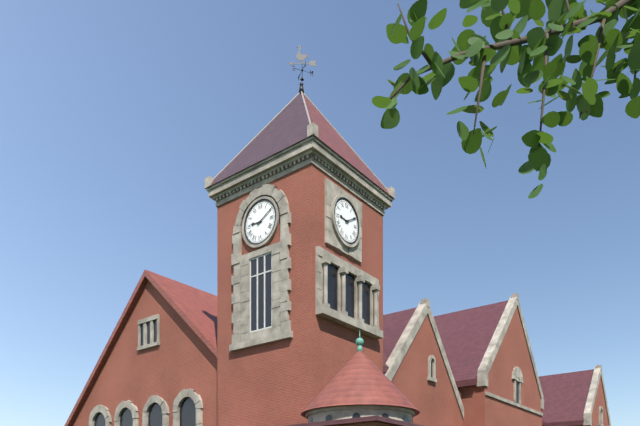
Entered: 9 h 10 min
